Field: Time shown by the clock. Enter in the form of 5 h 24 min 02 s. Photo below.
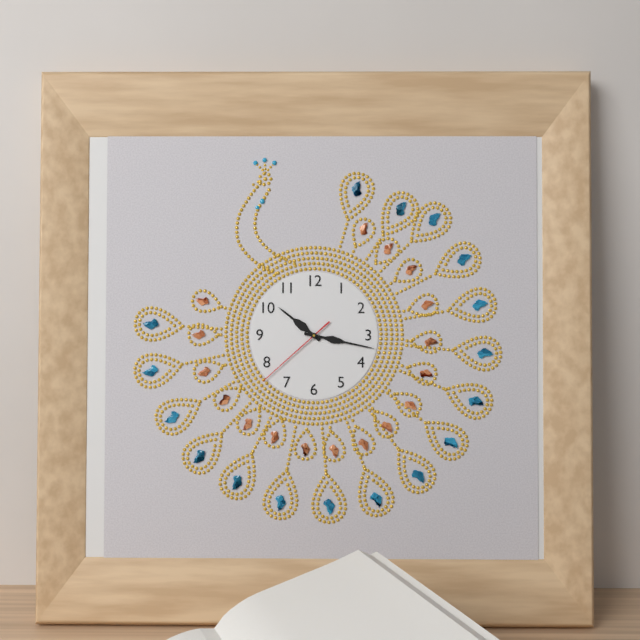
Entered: 10 h 17 min 38 s
